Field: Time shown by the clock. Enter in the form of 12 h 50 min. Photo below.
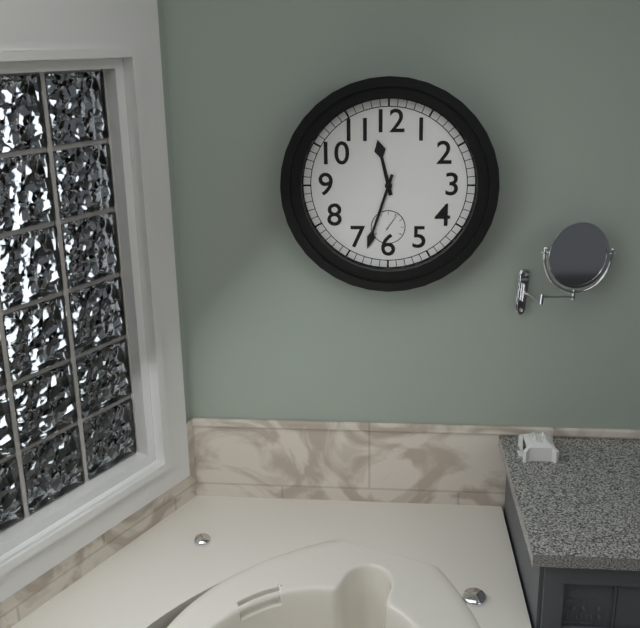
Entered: 11 h 33 min
